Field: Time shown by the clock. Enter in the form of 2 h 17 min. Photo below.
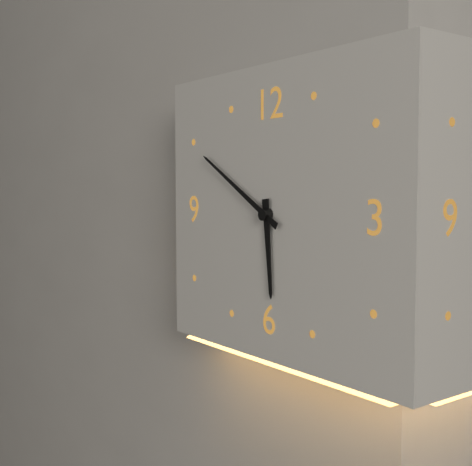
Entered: 5 h 50 min
